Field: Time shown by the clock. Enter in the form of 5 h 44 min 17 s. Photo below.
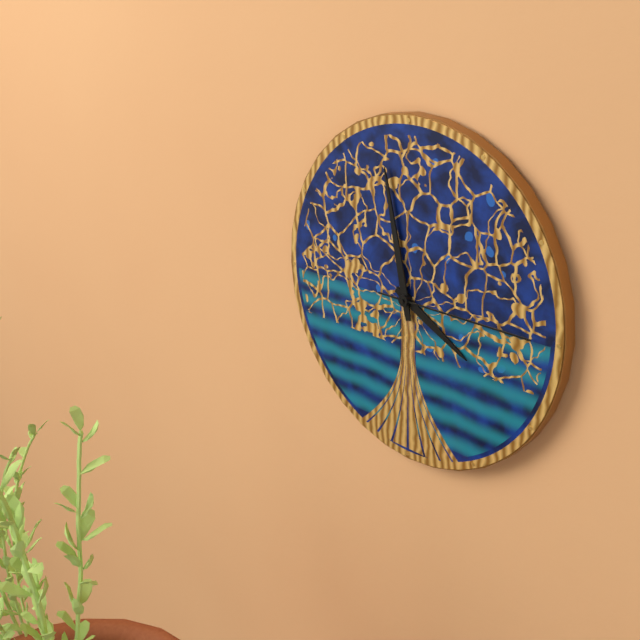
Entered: 3 h 58 min 15 s
